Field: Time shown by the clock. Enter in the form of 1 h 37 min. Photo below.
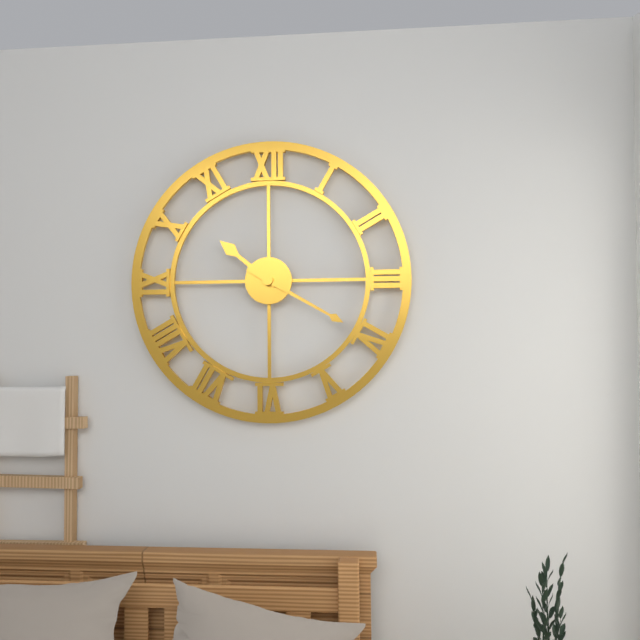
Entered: 10 h 20 min
